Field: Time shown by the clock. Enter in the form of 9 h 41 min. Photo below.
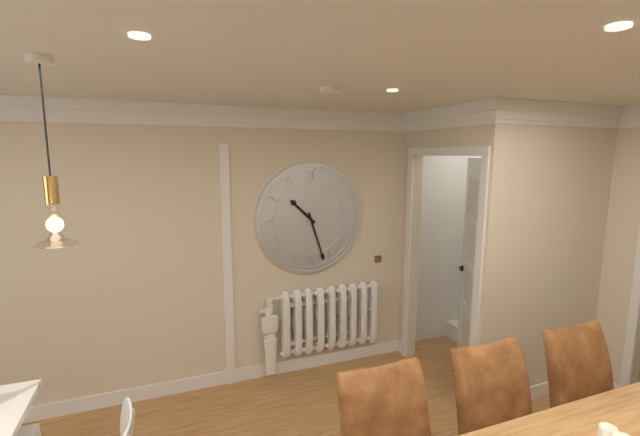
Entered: 10 h 27 min
